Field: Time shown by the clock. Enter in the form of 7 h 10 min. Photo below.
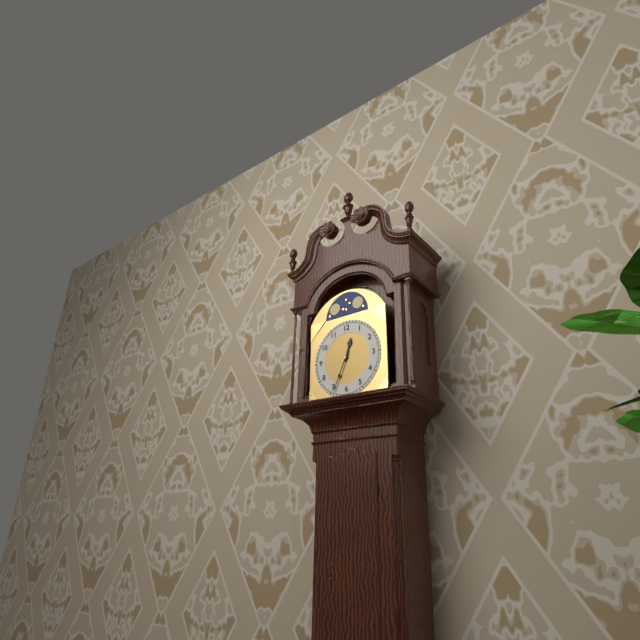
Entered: 12 h 34 min
